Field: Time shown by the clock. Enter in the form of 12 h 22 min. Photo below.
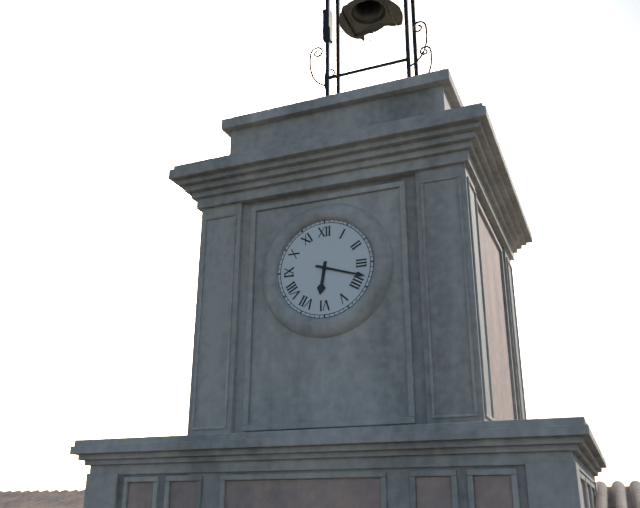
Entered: 6 h 18 min
